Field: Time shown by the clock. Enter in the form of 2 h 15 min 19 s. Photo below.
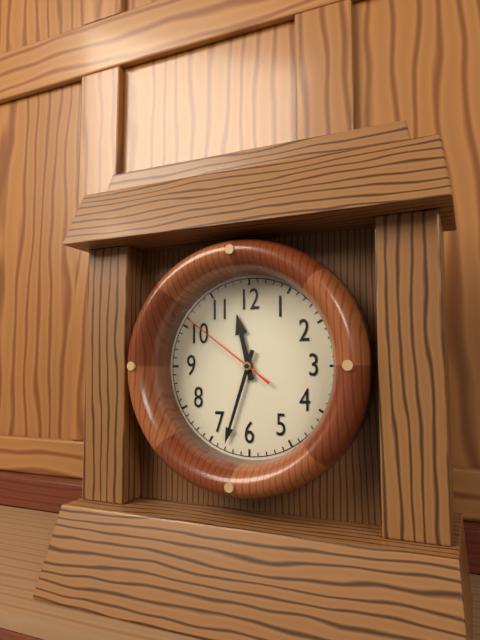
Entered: 11 h 33 min 51 s
